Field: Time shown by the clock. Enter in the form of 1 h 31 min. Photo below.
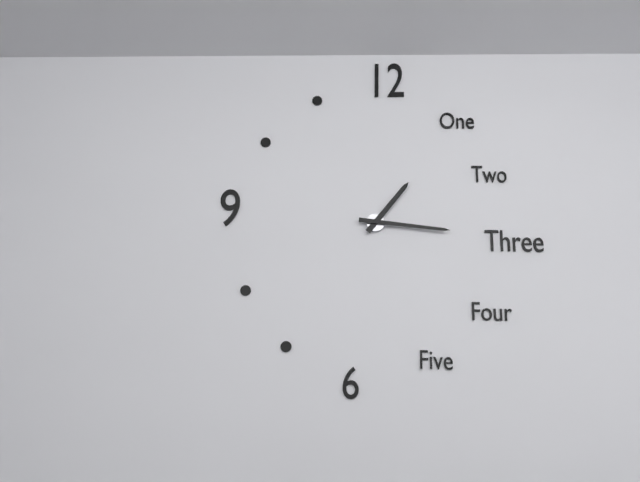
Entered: 1 h 16 min
